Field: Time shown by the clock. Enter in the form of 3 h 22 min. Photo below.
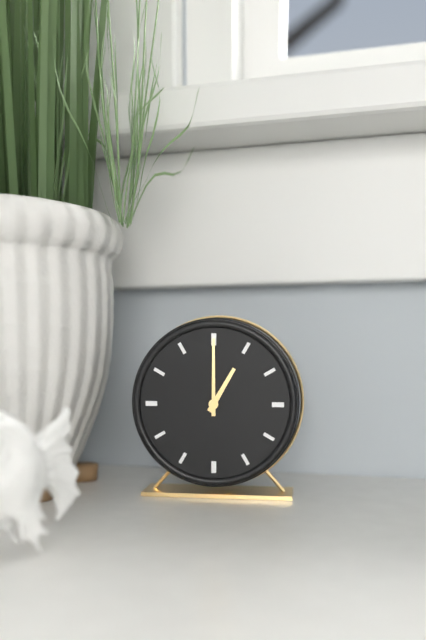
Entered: 1 h 00 min
